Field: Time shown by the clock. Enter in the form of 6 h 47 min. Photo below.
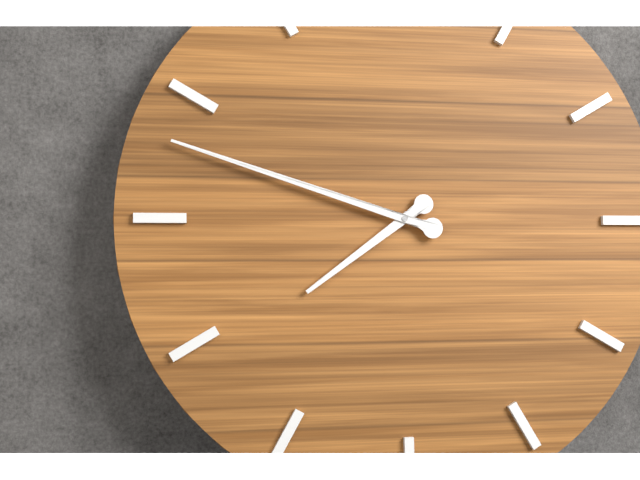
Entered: 7 h 48 min
